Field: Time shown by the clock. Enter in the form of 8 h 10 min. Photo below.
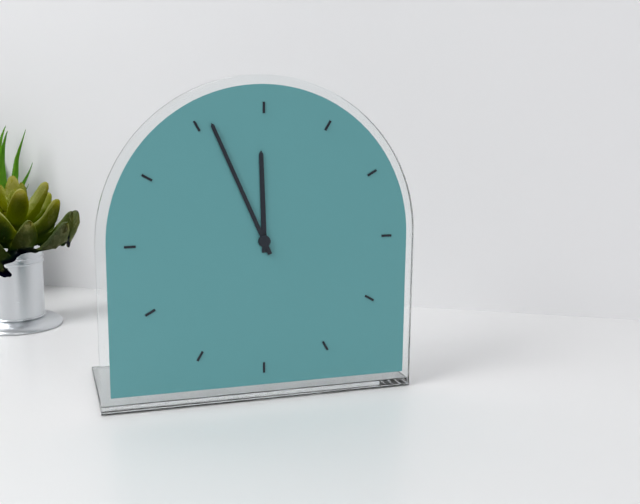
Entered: 11 h 56 min
